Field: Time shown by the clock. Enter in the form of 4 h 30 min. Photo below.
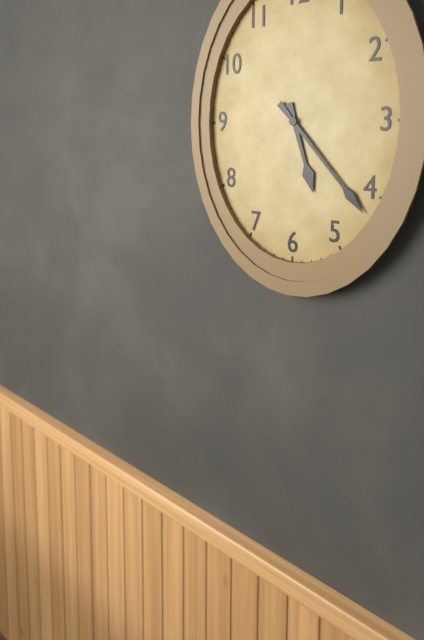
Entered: 5 h 23 min
